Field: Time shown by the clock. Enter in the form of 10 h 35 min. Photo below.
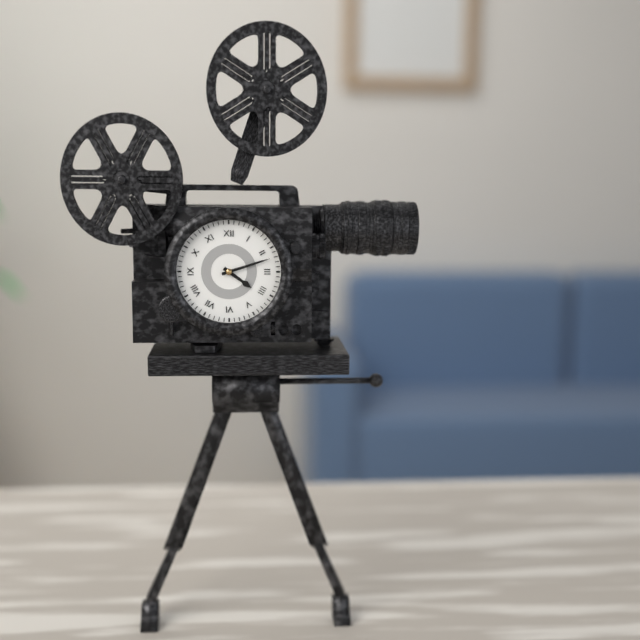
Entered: 4 h 12 min
